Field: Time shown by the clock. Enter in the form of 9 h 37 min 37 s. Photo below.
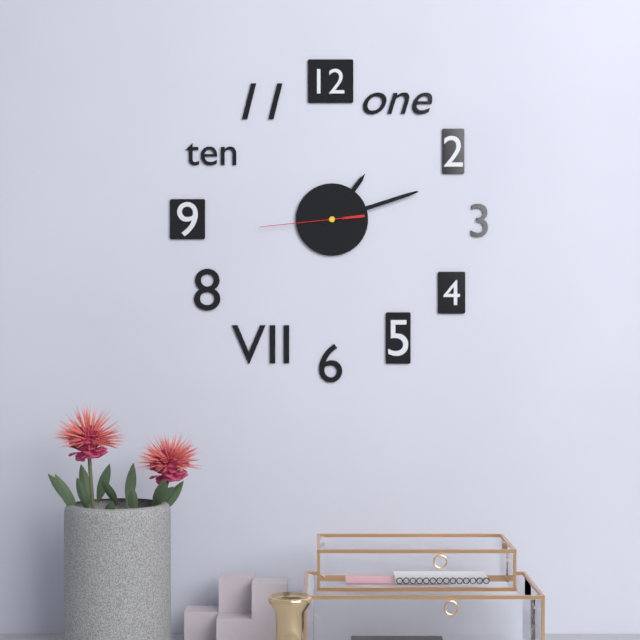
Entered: 1 h 12 min 44 s
